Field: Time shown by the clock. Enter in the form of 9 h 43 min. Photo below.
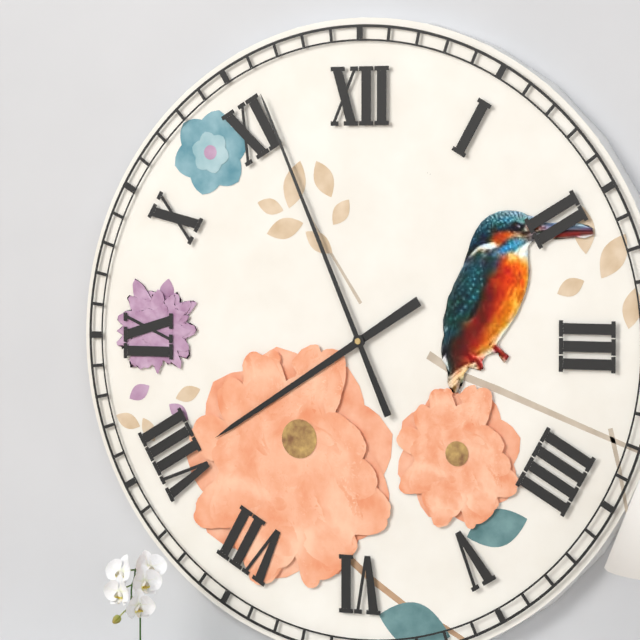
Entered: 7 h 56 min
